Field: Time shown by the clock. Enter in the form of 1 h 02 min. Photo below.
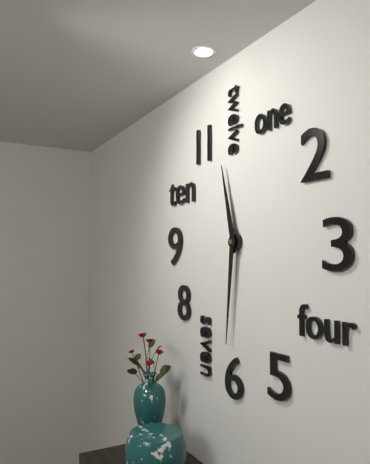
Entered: 11 h 31 min
